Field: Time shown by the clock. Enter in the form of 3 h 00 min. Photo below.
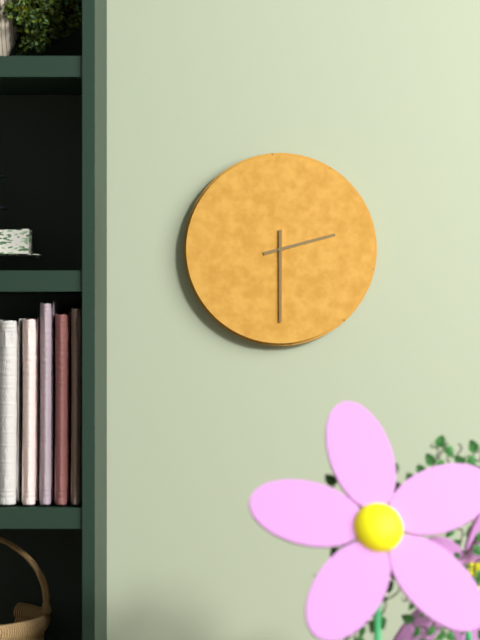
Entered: 2 h 30 min
